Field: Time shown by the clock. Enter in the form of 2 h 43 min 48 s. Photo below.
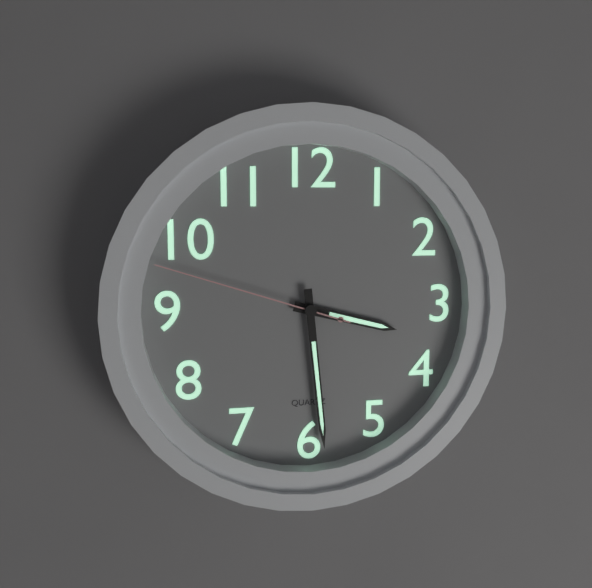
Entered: 3 h 29 min 48 s
